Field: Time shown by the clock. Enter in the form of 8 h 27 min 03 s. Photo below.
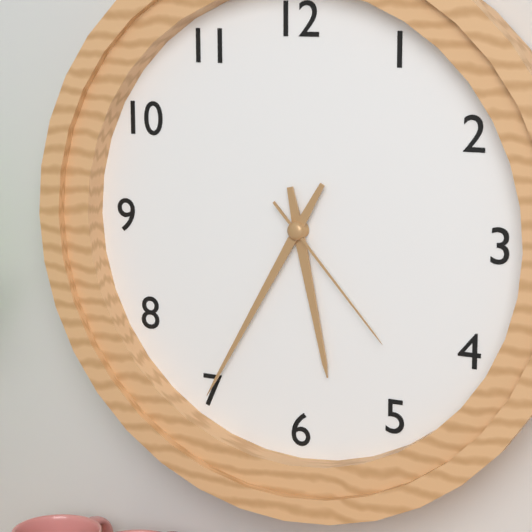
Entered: 5 h 35 min 23 s
